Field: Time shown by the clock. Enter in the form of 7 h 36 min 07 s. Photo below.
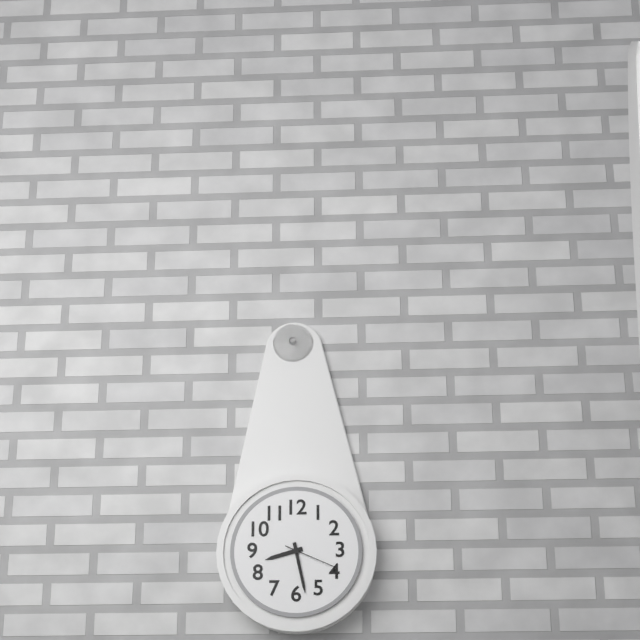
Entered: 8 h 28 min 19 s
